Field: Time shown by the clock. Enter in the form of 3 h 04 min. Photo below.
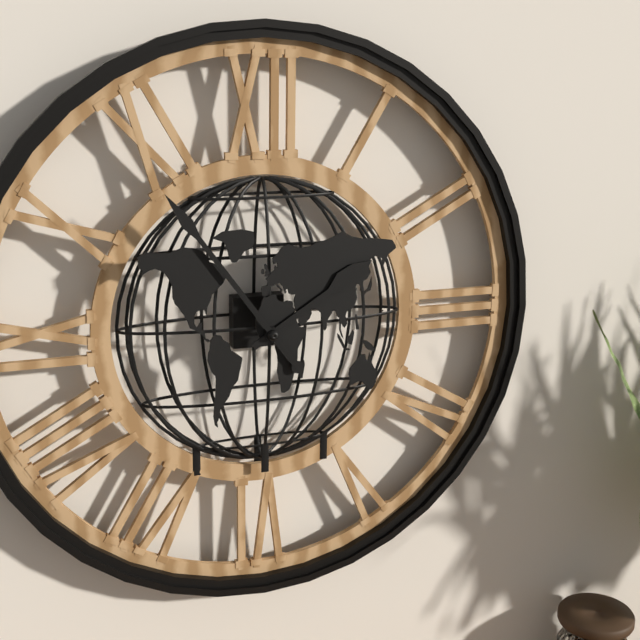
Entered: 1 h 54 min
